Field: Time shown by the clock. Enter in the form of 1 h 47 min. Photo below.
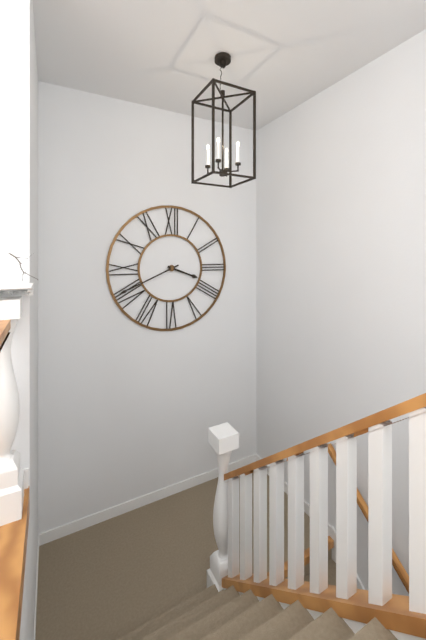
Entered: 3 h 41 min
